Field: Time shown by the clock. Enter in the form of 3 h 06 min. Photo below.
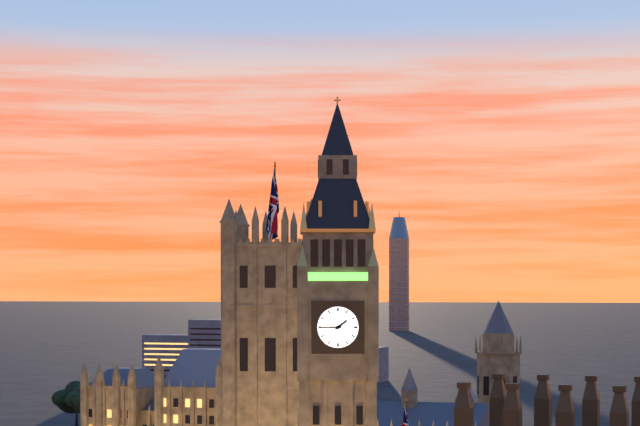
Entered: 1 h 45 min
